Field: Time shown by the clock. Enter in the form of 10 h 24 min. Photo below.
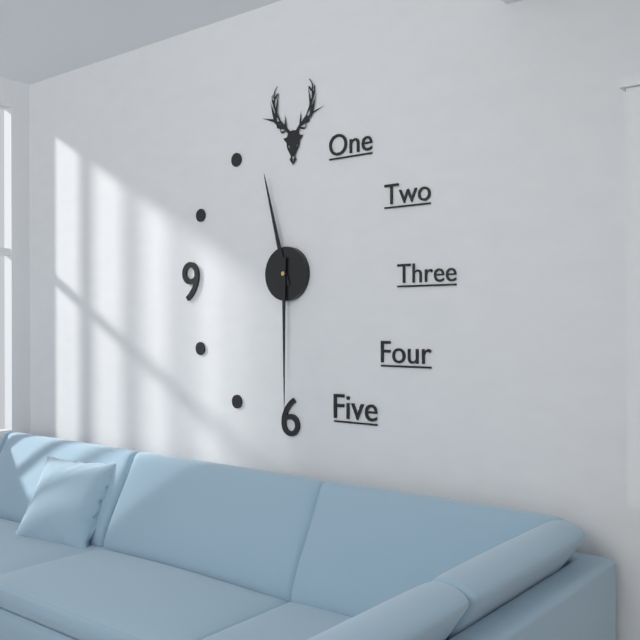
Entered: 11 h 30 min
